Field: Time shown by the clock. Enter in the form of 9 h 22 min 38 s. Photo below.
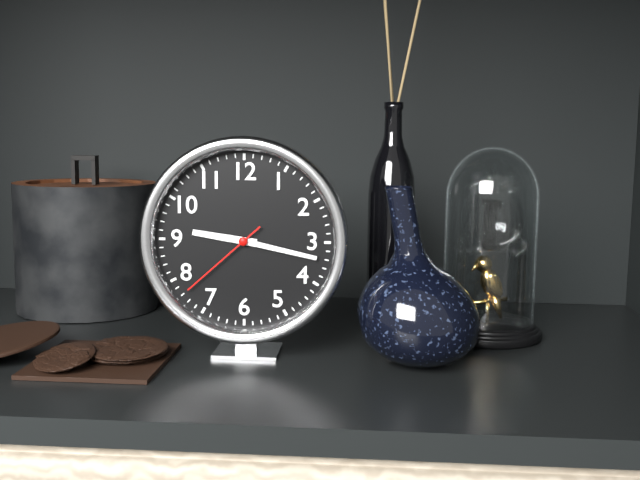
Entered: 9 h 17 min 38 s
